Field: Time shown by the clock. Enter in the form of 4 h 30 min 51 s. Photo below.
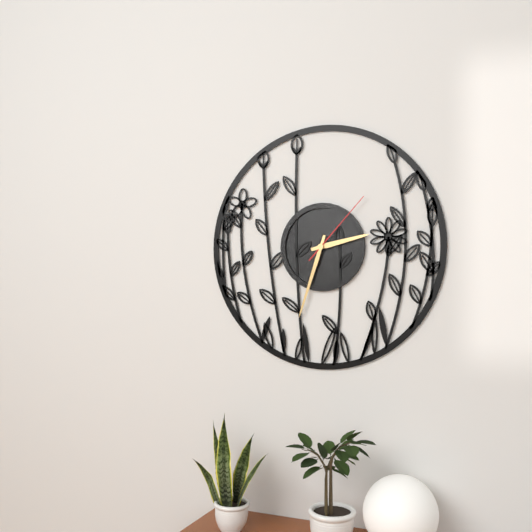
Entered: 2 h 33 min 07 s
